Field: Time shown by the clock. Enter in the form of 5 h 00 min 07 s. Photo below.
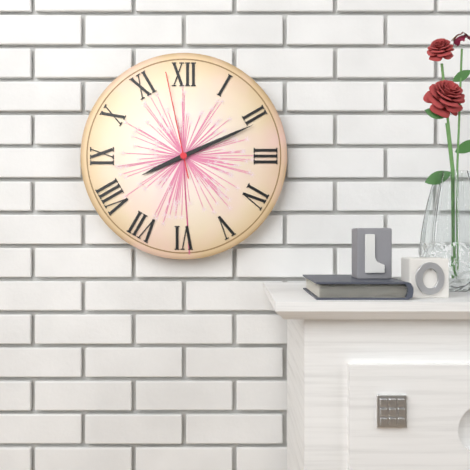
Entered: 8 h 11 min 58 s
